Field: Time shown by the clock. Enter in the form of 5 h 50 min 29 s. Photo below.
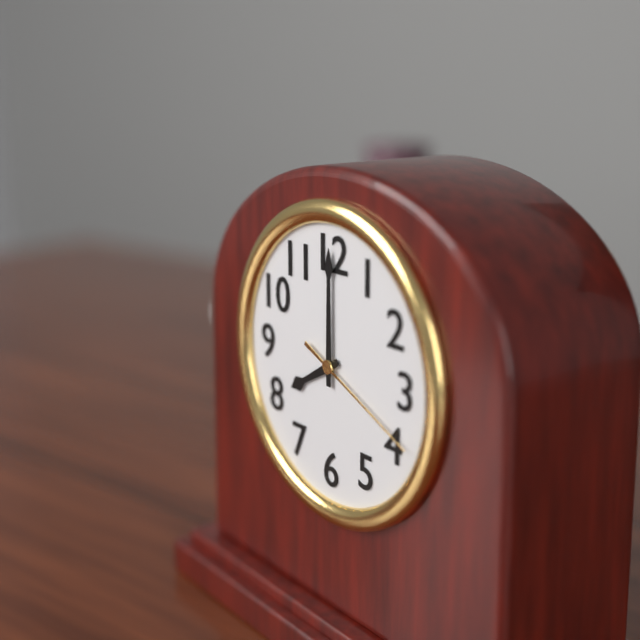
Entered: 8 h 00 min 19 s
